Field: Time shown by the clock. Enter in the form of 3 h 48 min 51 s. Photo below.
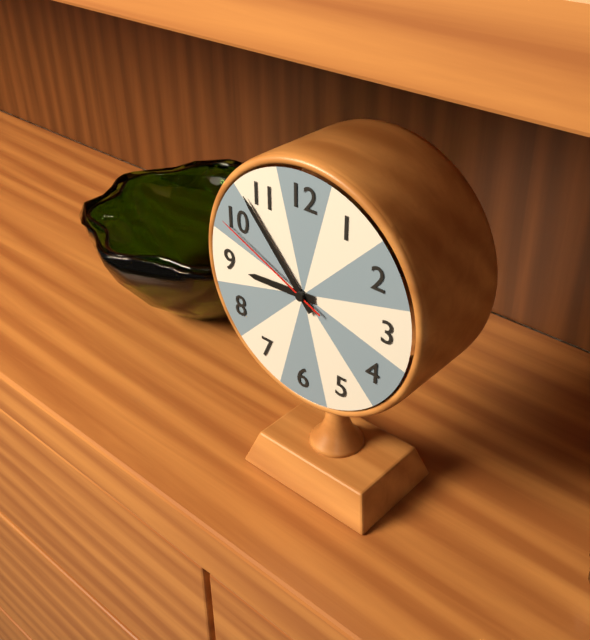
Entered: 8 h 53 min 49 s
